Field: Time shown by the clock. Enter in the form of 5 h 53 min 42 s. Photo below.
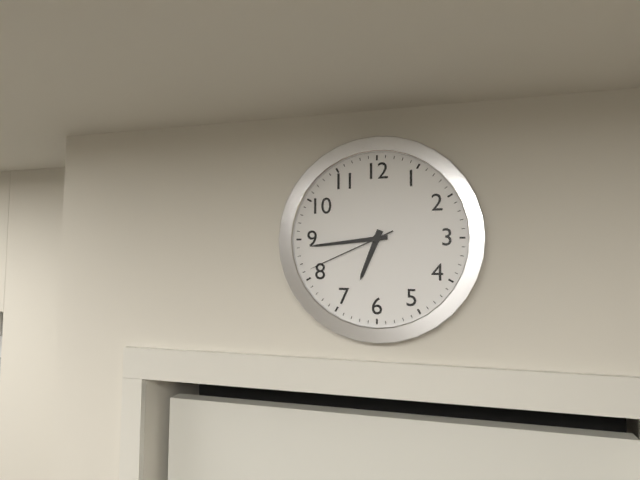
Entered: 6 h 44 min 41 s
